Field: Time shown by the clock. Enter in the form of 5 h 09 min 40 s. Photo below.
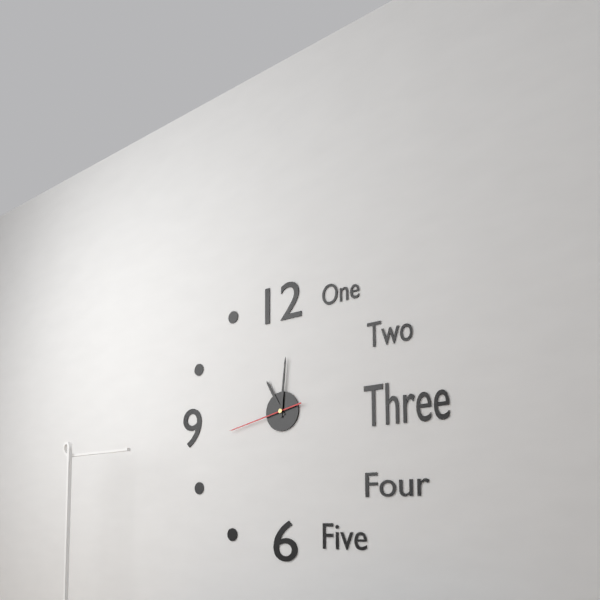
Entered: 11 h 01 min 43 s
